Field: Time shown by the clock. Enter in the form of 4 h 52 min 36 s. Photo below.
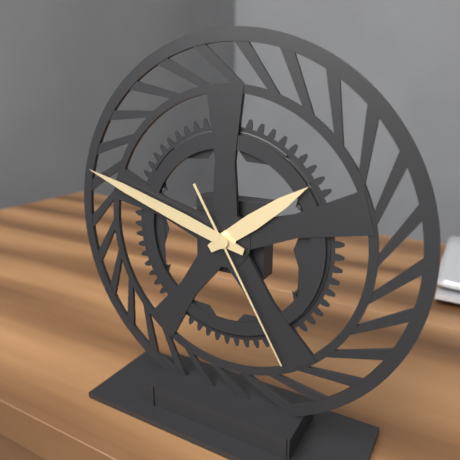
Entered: 1 h 48 min 25 s
